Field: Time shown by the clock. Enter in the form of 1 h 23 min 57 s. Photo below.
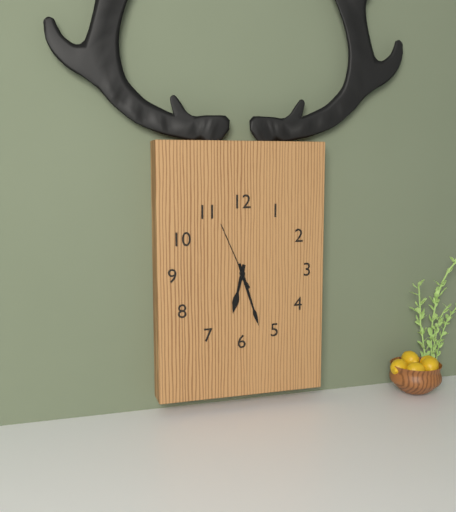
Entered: 6 h 27 min 56 s
